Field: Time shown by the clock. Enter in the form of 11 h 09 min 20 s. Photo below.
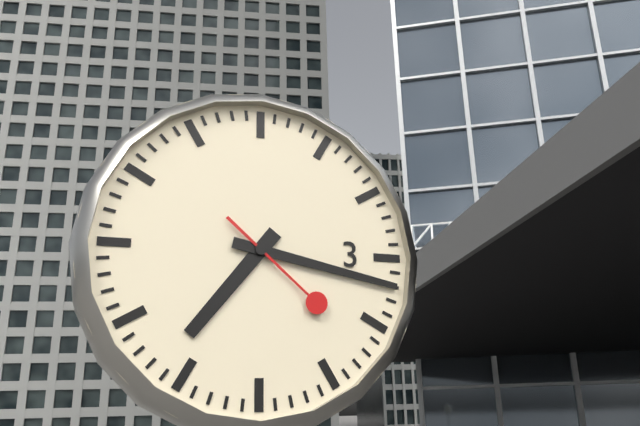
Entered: 7 h 17 min 22 s
